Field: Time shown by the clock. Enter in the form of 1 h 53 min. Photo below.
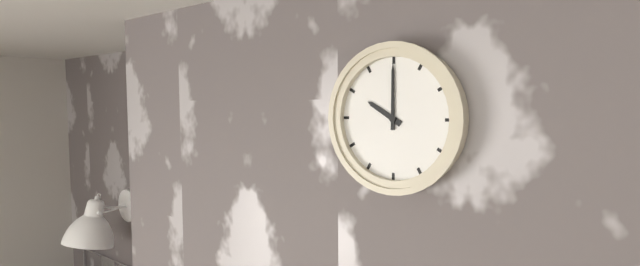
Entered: 10 h 00 min
